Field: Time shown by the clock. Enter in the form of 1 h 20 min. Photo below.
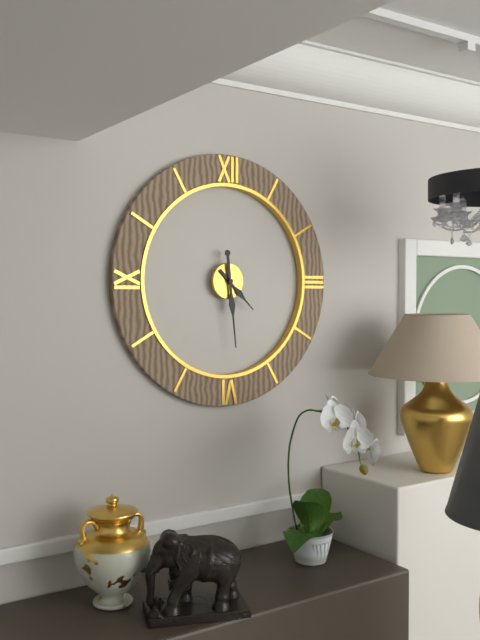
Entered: 4 h 29 min
